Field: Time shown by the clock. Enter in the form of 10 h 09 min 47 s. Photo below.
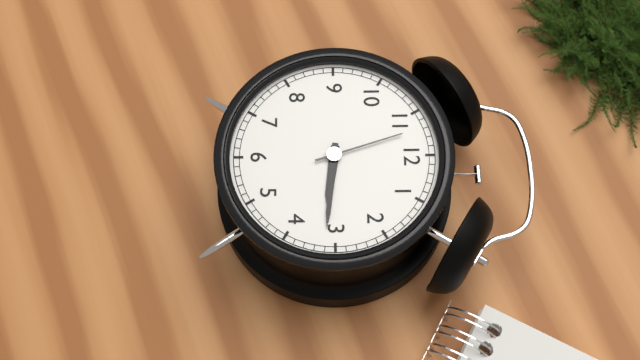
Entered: 3 h 16 min 57 s
